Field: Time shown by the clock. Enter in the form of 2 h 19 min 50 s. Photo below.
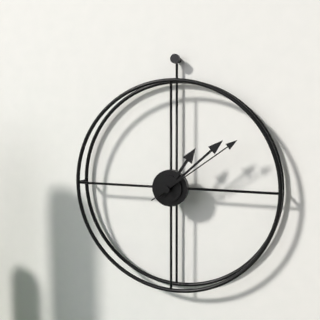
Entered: 1 h 08 min 09 s
